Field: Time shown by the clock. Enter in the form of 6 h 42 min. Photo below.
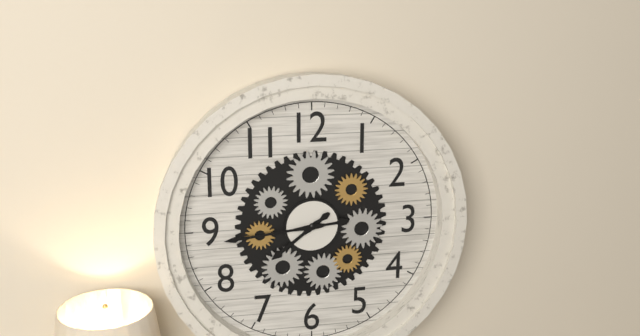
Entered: 7 h 44 min
